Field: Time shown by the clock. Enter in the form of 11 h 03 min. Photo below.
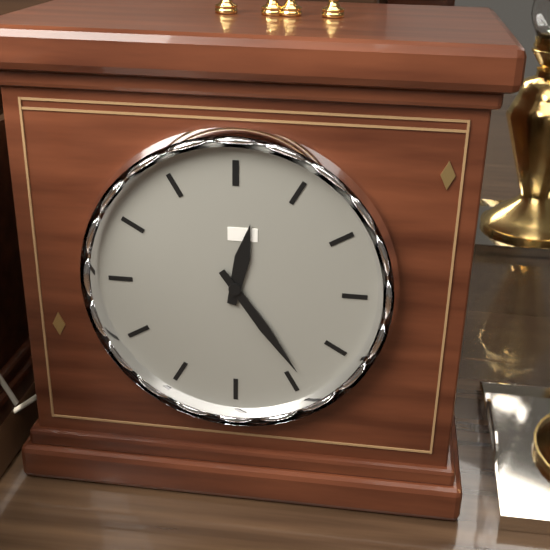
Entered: 12 h 24 min
